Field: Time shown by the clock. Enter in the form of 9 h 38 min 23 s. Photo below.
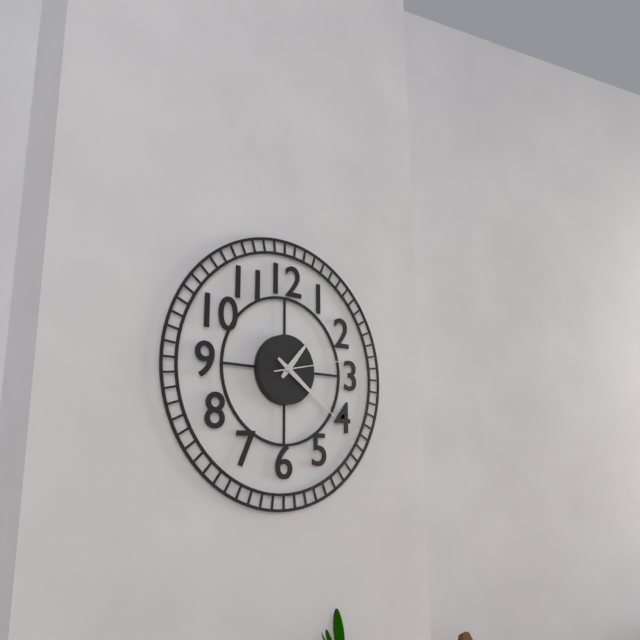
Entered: 1 h 21 min 13 s
